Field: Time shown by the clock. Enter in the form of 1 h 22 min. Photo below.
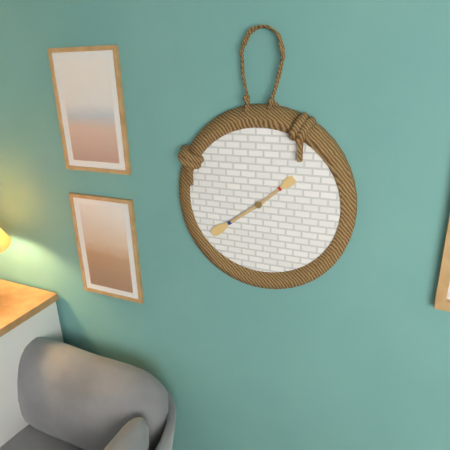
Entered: 1 h 39 min
